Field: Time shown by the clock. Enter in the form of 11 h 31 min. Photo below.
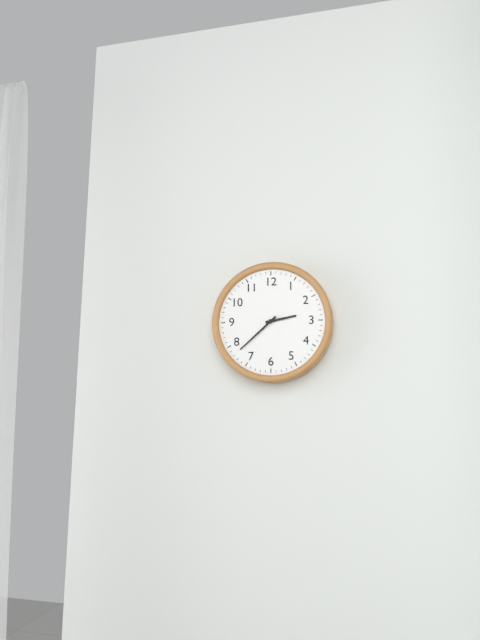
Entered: 2 h 38 min
